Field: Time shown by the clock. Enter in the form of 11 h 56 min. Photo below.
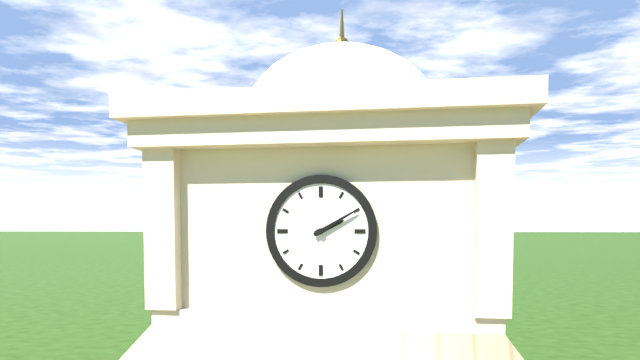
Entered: 2 h 10 min
